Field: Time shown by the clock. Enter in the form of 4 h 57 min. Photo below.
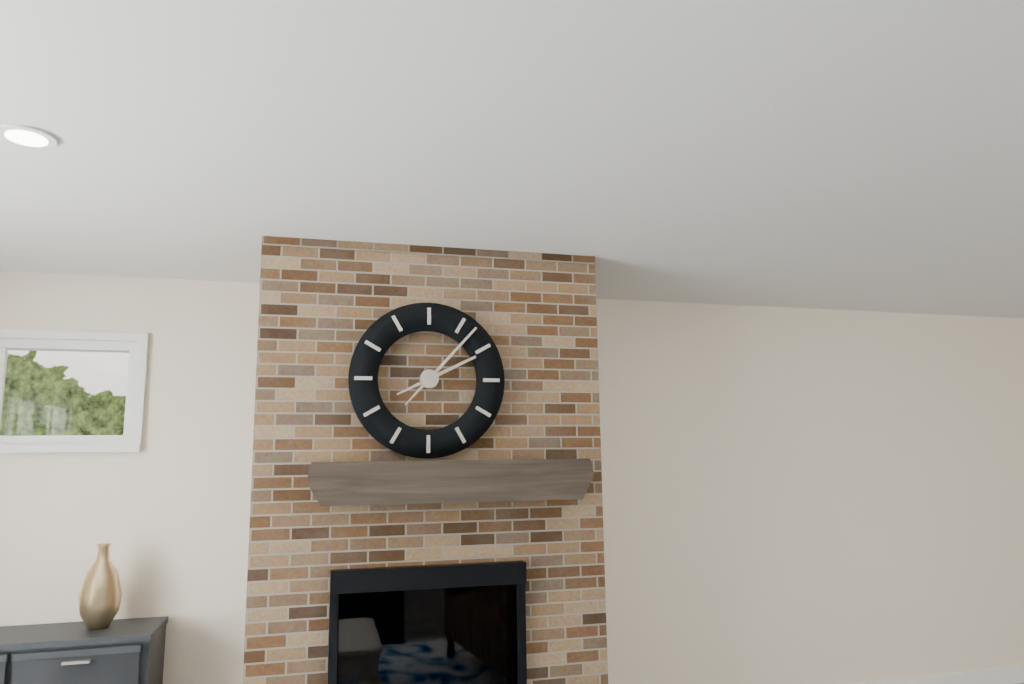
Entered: 2 h 07 min
